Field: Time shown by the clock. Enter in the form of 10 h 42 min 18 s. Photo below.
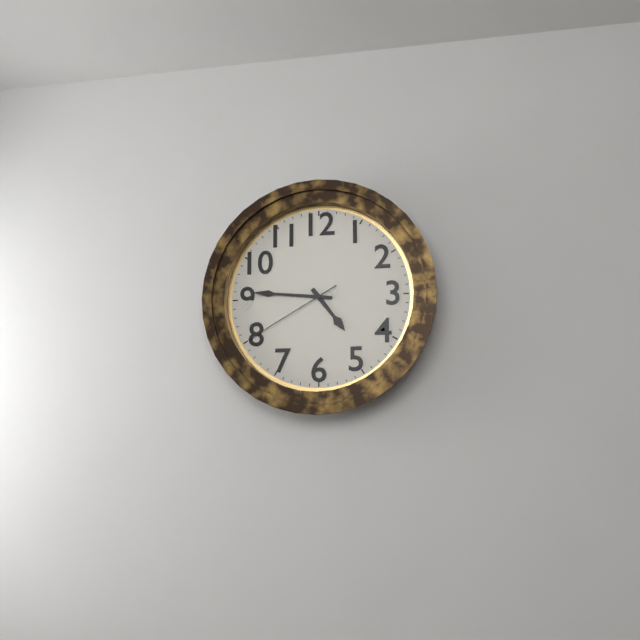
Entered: 4 h 46 min 40 s
